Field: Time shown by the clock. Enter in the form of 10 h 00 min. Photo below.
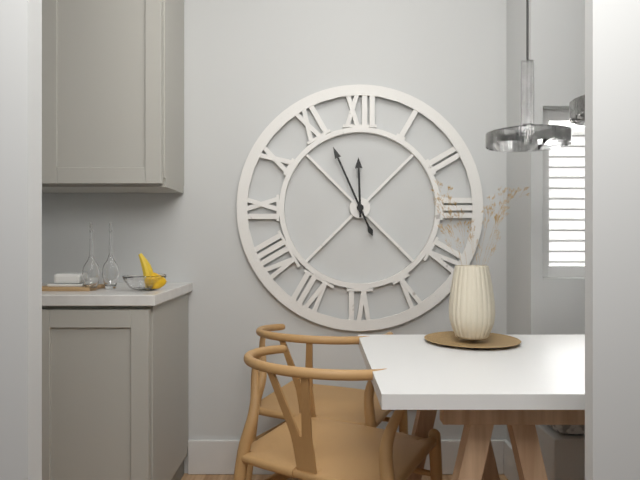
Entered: 11 h 56 min
